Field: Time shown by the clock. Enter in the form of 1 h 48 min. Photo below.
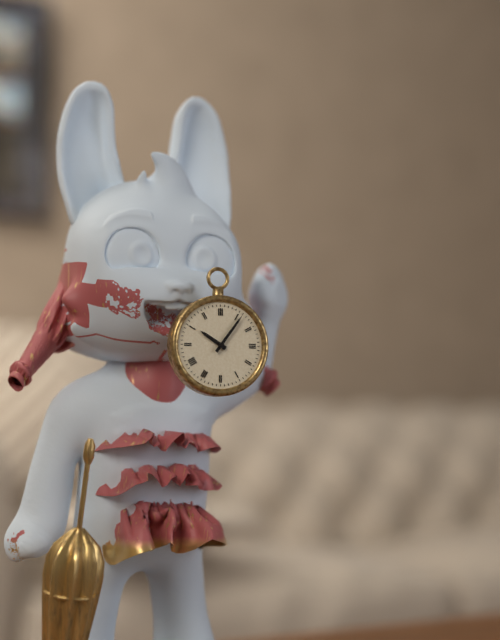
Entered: 10 h 06 min
